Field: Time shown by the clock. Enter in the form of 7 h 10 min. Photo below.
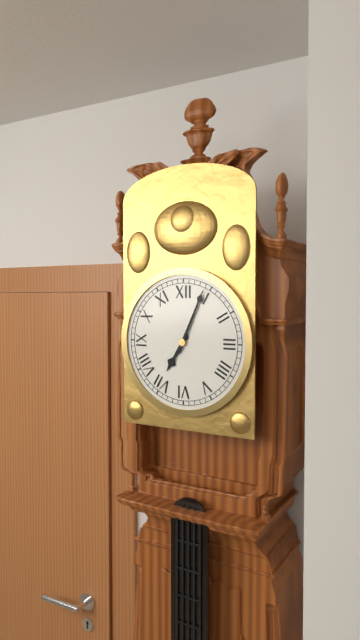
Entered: 7 h 04 min
